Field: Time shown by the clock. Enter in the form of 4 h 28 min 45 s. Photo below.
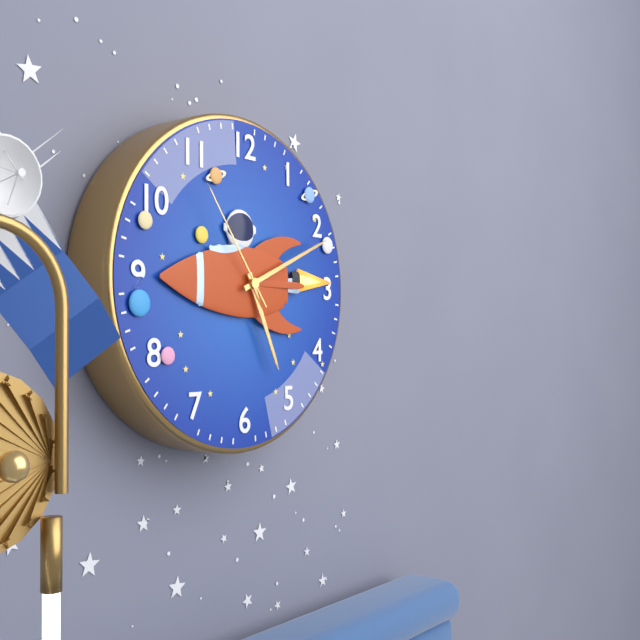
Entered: 5 h 11 min 54 s
